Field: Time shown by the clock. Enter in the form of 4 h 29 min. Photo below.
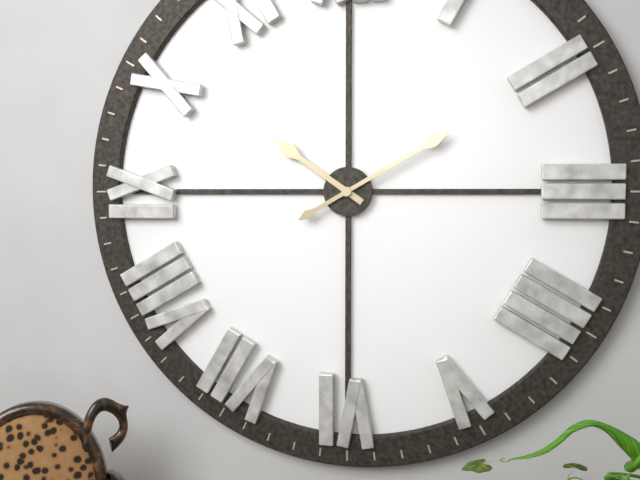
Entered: 10 h 10 min
